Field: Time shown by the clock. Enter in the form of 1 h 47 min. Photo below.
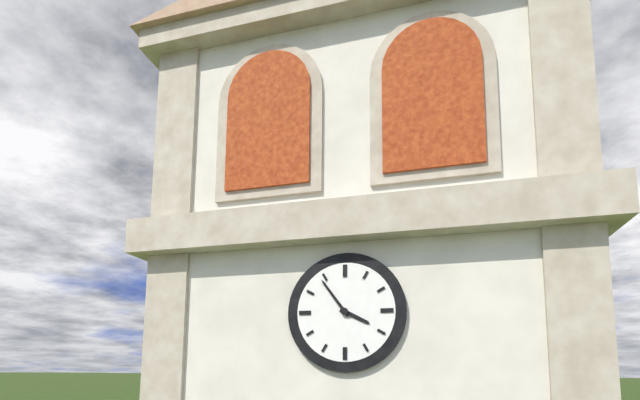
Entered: 3 h 54 min
